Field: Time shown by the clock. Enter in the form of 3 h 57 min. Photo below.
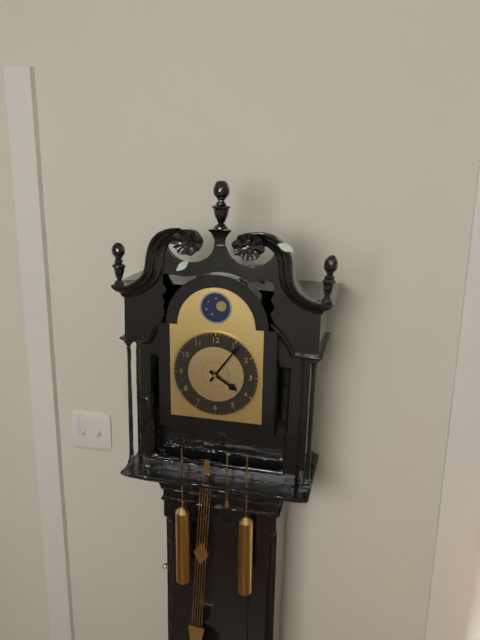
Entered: 4 h 06 min
